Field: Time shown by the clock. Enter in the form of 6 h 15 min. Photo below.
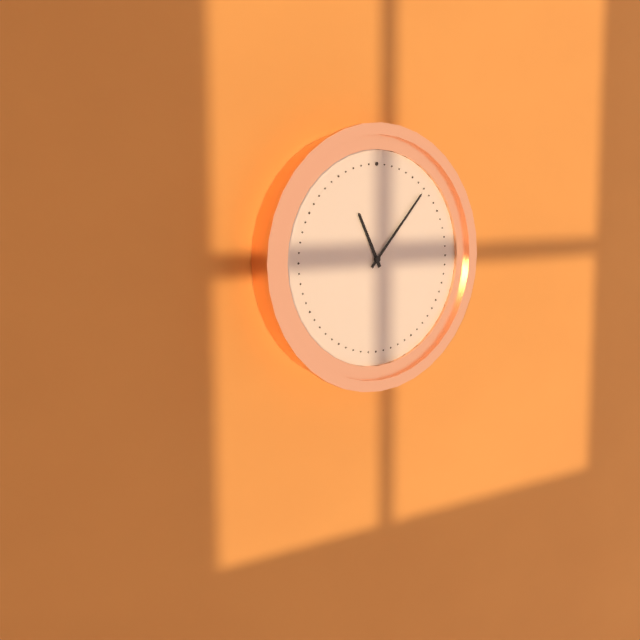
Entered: 11 h 07 min
